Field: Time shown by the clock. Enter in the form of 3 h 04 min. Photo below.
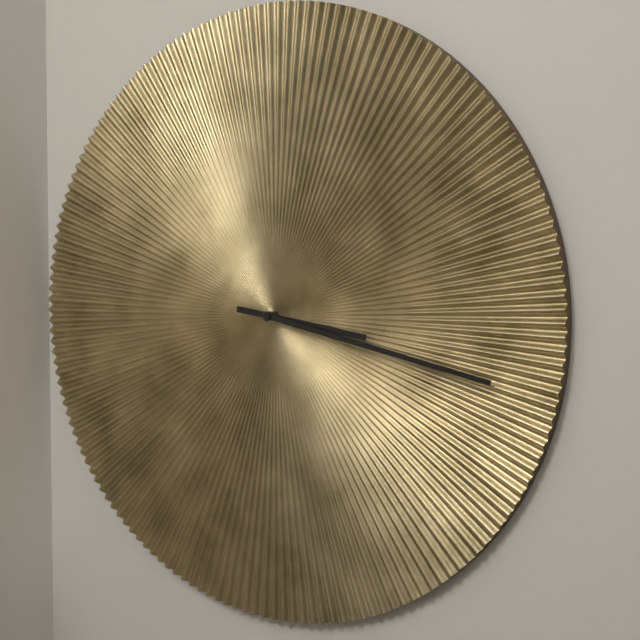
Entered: 3 h 17 min
